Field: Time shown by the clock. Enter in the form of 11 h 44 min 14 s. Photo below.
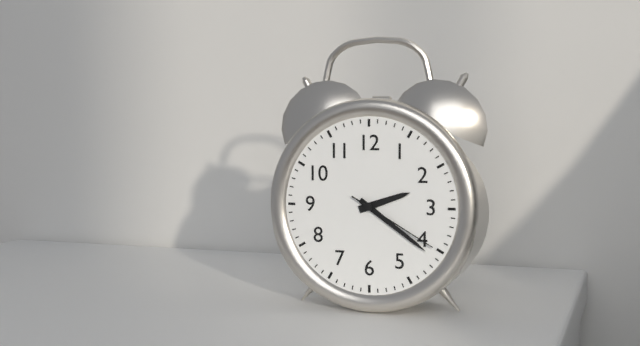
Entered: 2 h 21 min 20 s
